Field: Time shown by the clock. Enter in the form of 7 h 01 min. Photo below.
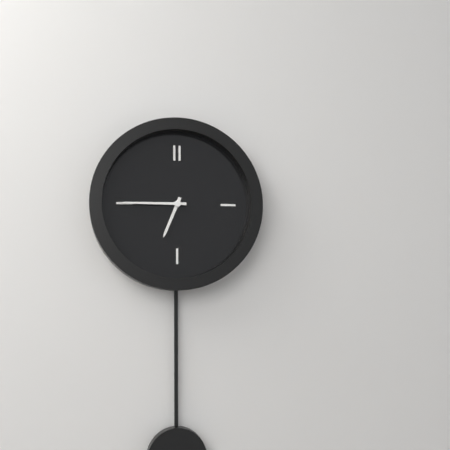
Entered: 6 h 45 min
